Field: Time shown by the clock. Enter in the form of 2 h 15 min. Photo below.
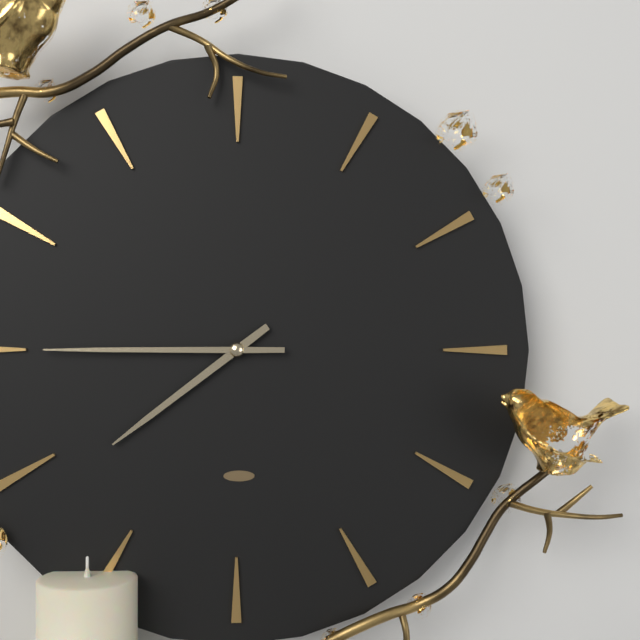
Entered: 7 h 45 min
